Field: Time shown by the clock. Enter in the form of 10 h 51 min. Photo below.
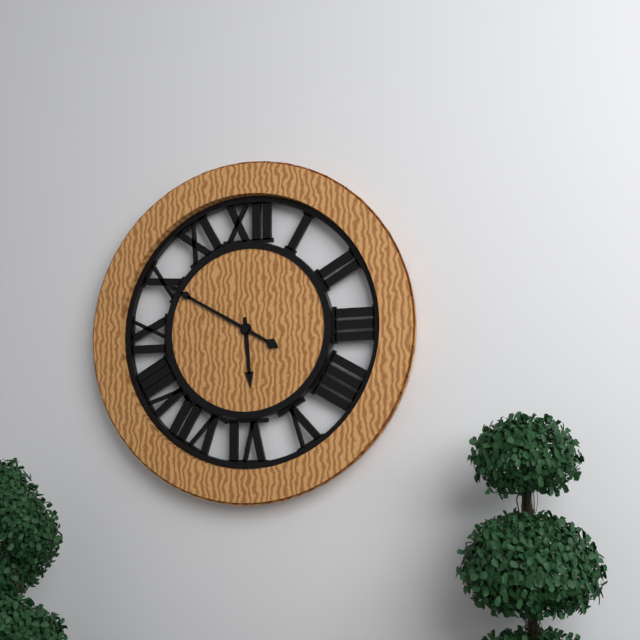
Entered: 5 h 50 min
